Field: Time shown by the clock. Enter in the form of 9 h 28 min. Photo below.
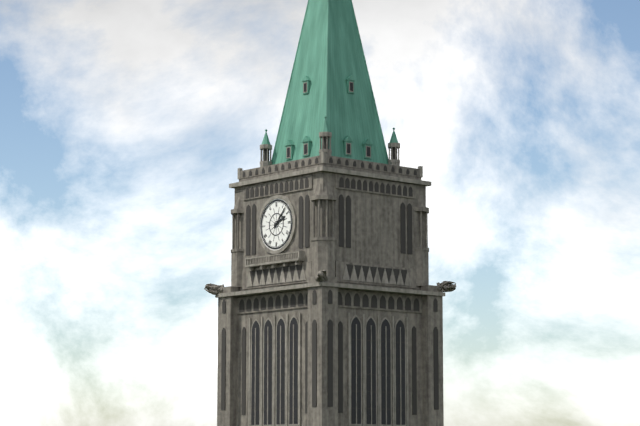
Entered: 2 h 07 min
